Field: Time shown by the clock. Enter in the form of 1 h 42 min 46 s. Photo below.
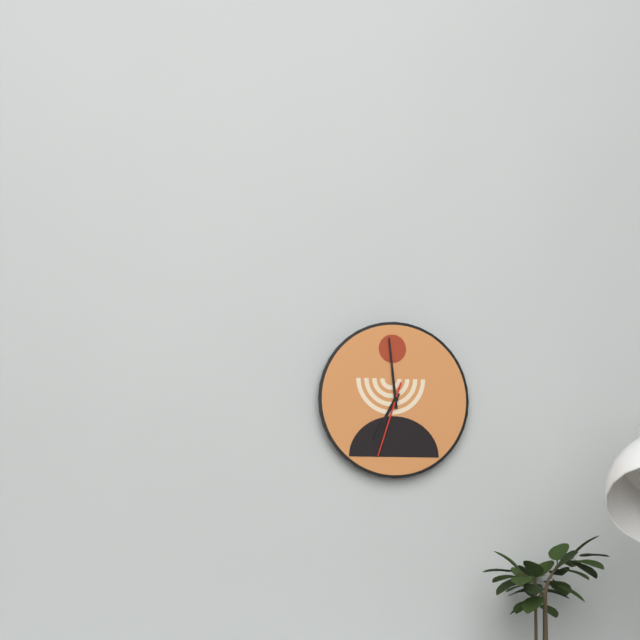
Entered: 6 h 59 min 33 s
